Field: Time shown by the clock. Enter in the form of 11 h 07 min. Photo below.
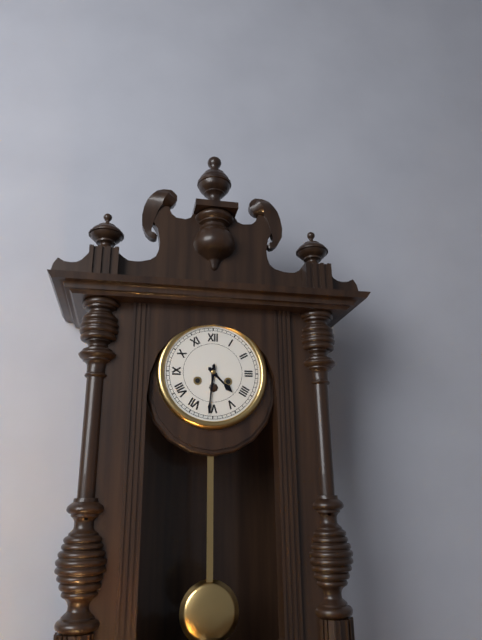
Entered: 4 h 31 min
